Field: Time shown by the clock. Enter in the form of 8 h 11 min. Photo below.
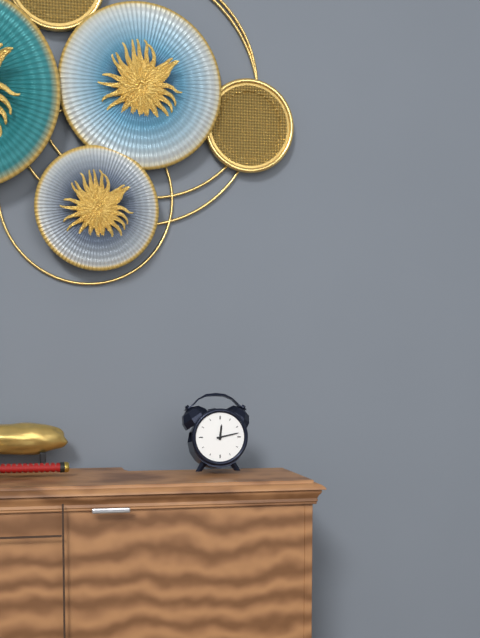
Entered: 12 h 13 min
